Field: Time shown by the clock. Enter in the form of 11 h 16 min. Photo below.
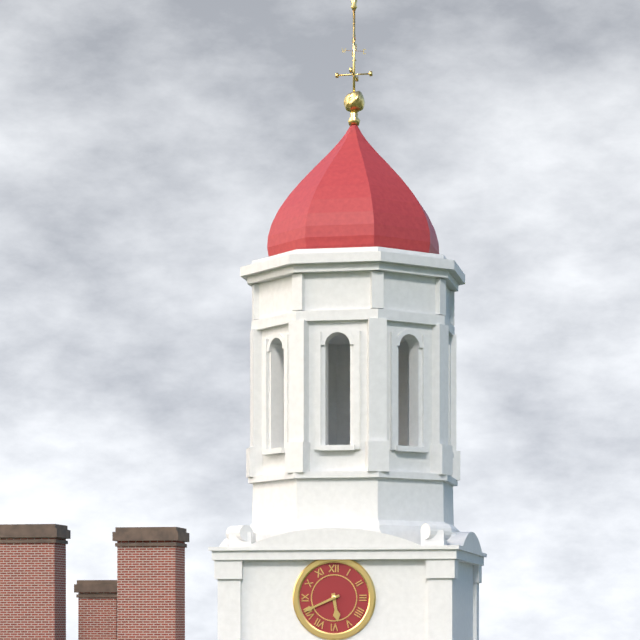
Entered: 5 h 41 min
